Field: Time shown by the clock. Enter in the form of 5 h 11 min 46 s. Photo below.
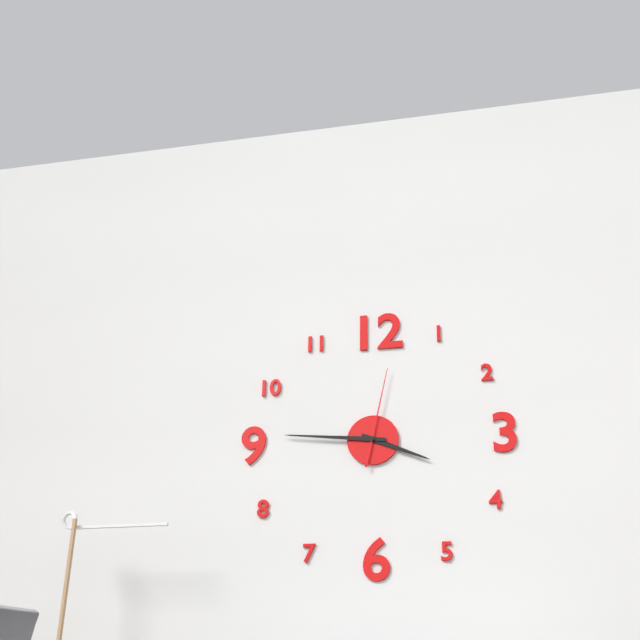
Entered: 3 h 46 min 02 s
